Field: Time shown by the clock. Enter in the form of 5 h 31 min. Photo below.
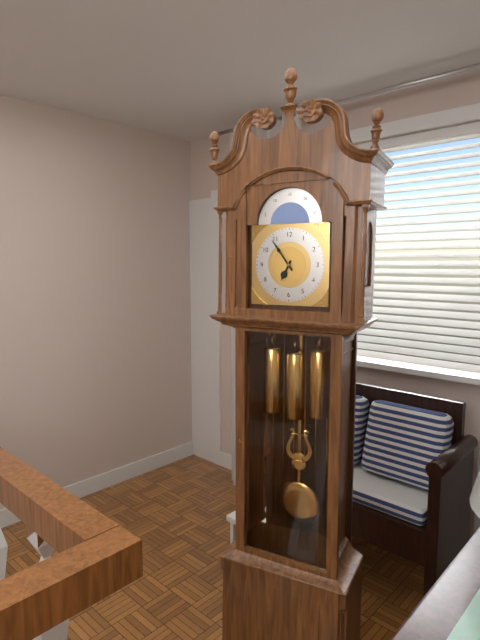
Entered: 6 h 54 min
